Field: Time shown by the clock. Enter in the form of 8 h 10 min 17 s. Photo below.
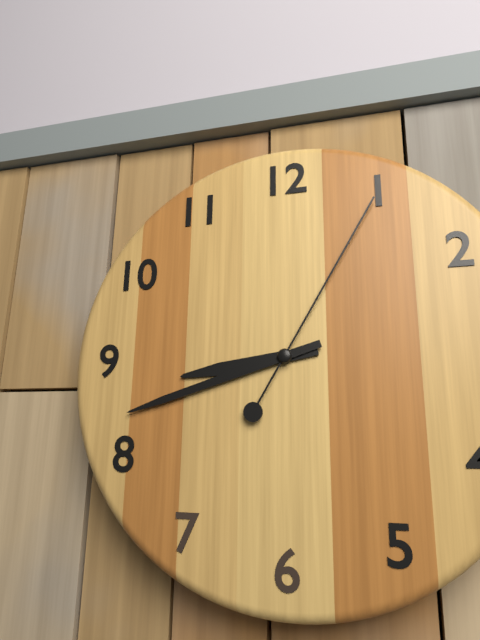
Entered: 8 h 42 min 05 s
